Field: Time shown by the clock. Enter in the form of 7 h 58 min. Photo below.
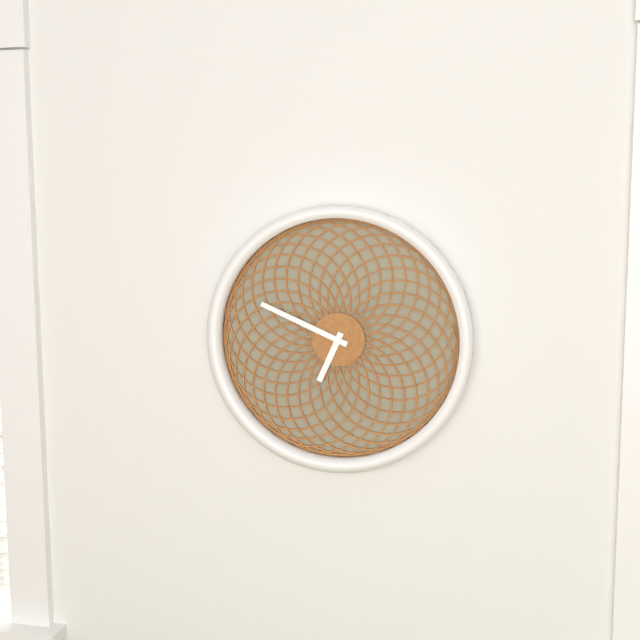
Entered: 6 h 49 min
